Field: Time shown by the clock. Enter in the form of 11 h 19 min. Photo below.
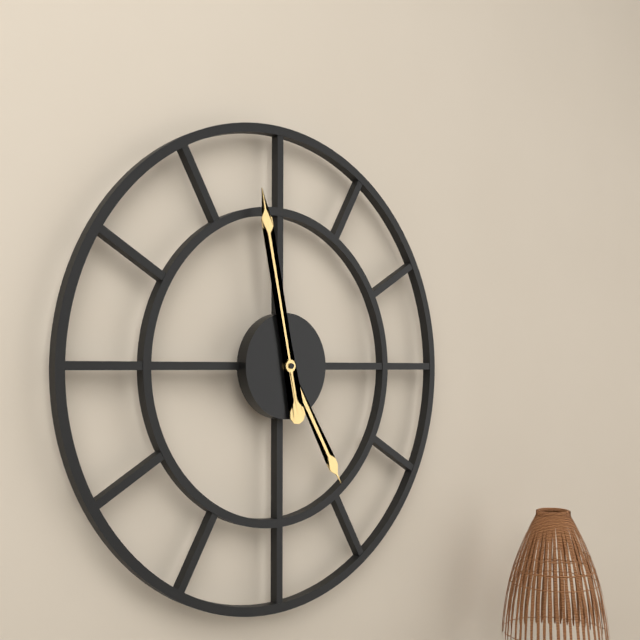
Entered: 4 h 58 min
